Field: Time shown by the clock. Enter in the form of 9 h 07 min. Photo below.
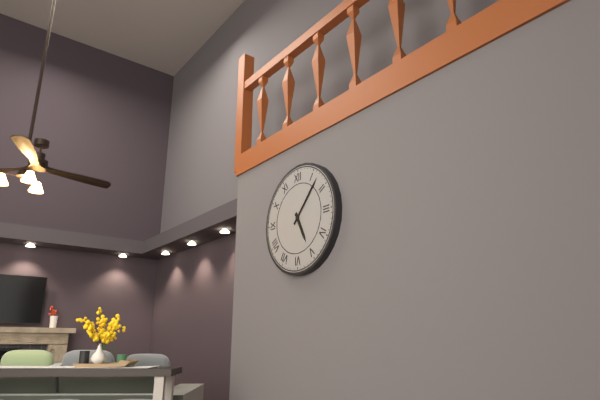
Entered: 5 h 07 min
